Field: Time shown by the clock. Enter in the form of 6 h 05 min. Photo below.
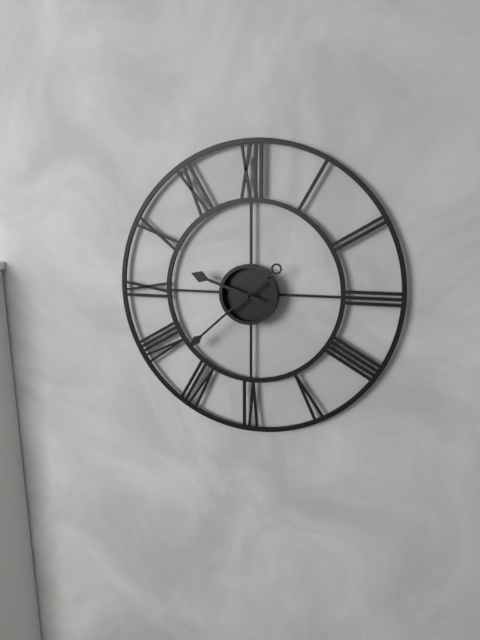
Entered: 9 h 38 min
